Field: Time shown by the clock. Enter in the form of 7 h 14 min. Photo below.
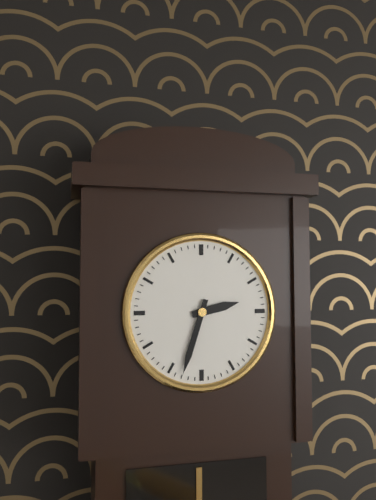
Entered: 2 h 33 min
